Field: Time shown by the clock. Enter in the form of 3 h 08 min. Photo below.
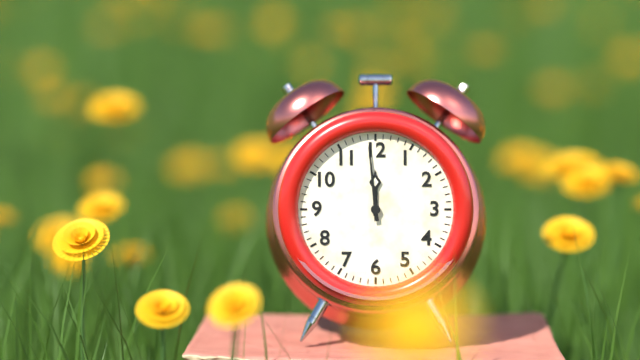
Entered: 11 h 59 min
